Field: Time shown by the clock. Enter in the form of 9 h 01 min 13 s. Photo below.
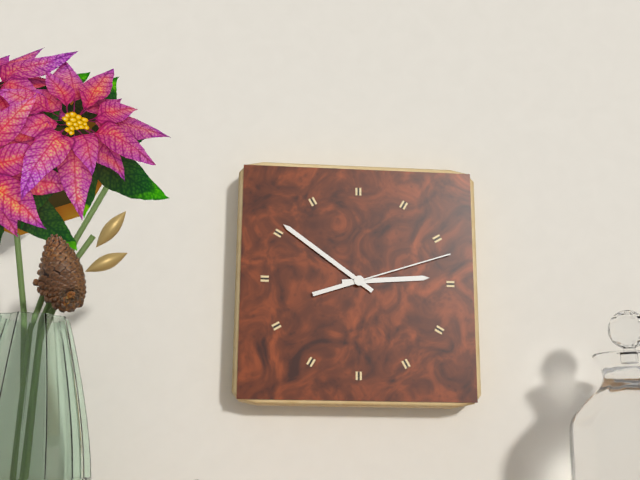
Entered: 2 h 51 min 12 s
